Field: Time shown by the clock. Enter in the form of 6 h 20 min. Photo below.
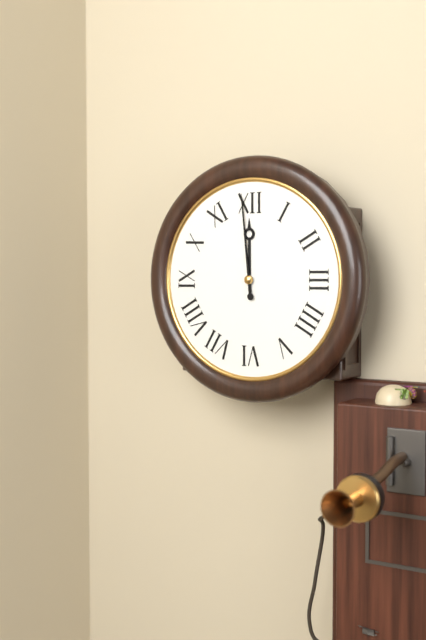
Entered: 11 h 59 min
